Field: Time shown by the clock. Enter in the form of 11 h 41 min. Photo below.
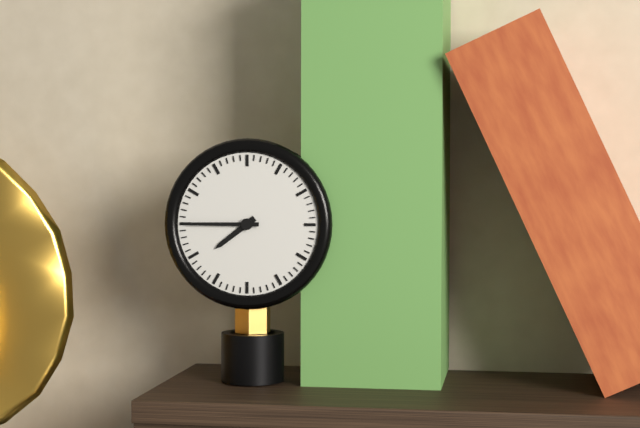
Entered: 7 h 45 min
